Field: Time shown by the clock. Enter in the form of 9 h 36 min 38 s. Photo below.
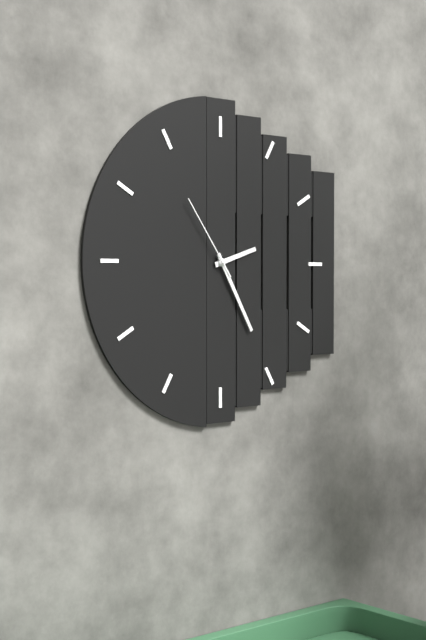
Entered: 2 h 25 min 54 s
